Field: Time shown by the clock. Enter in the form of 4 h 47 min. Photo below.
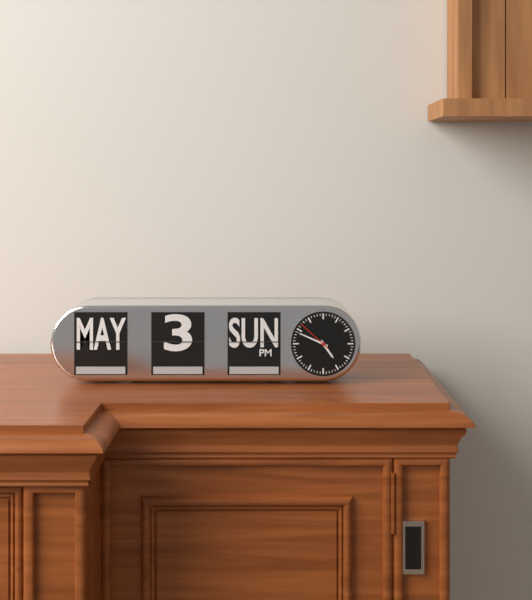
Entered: 4 h 49 min
